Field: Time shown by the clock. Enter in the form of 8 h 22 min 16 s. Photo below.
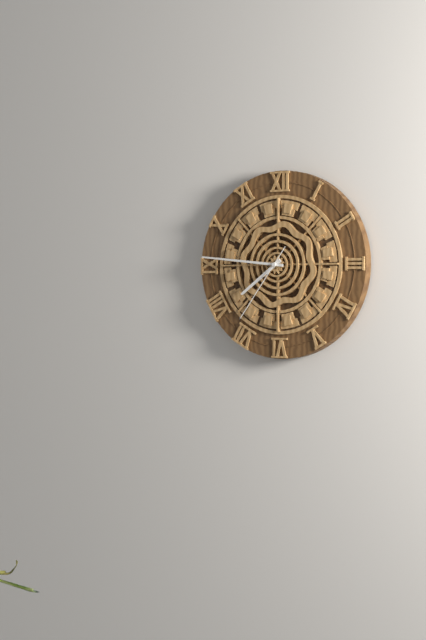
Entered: 7 h 46 min 36 s
